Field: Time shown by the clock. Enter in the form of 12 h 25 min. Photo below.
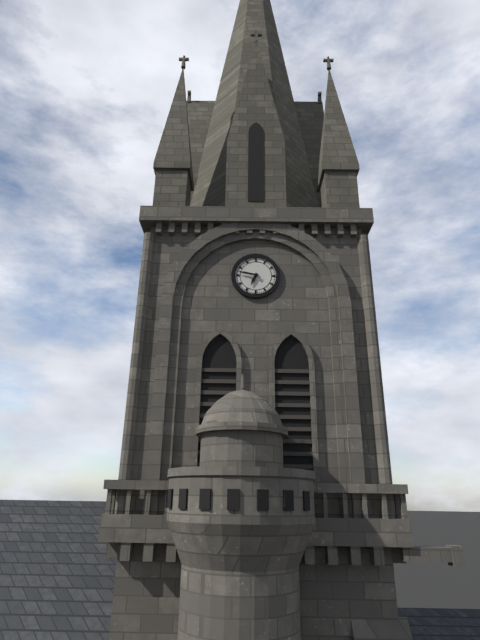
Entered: 6 h 47 min
